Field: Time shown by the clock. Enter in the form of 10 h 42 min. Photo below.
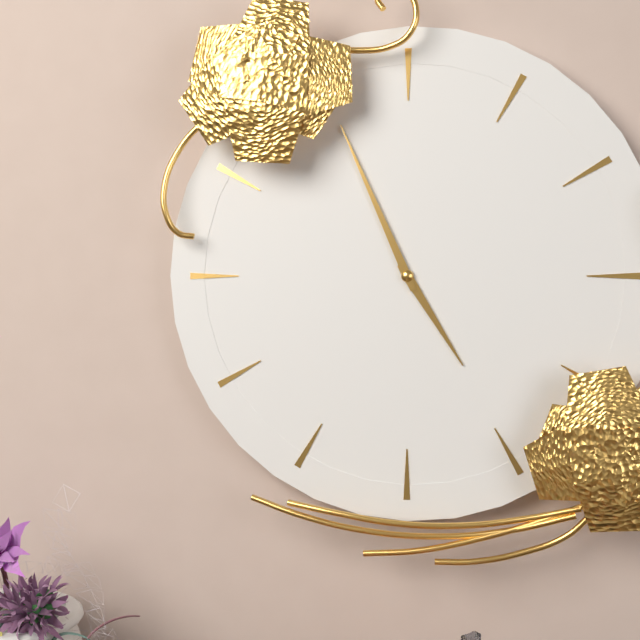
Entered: 4 h 56 min
